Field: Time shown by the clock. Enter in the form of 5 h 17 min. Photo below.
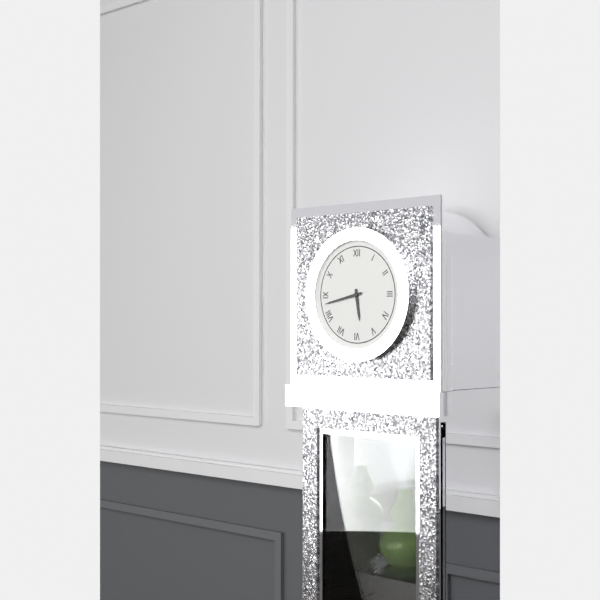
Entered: 5 h 43 min
